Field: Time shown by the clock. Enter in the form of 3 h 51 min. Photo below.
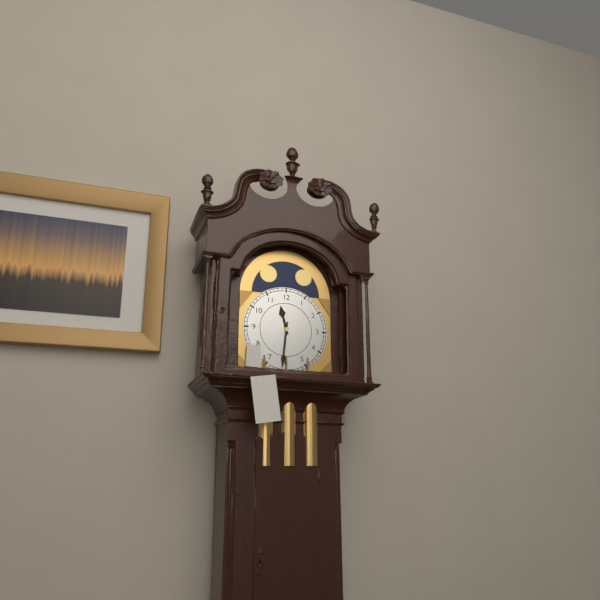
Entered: 11 h 31 min
